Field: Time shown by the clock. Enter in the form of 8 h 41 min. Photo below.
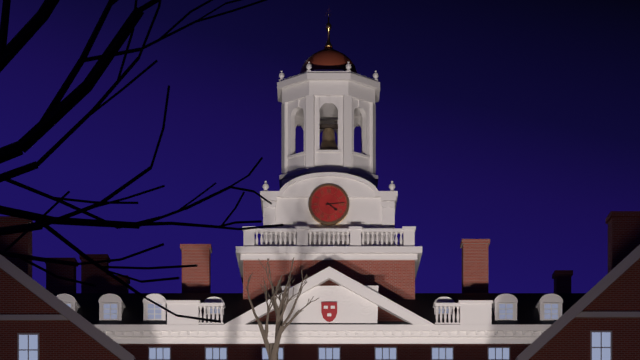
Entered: 4 h 14 min
